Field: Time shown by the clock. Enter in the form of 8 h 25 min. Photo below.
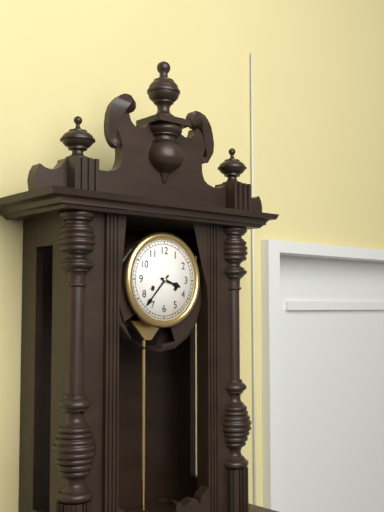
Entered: 3 h 37 min
